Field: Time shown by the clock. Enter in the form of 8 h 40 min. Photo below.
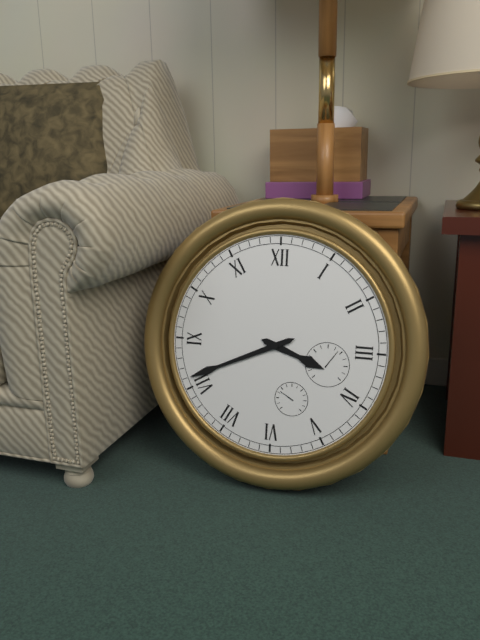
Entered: 3 h 41 min
